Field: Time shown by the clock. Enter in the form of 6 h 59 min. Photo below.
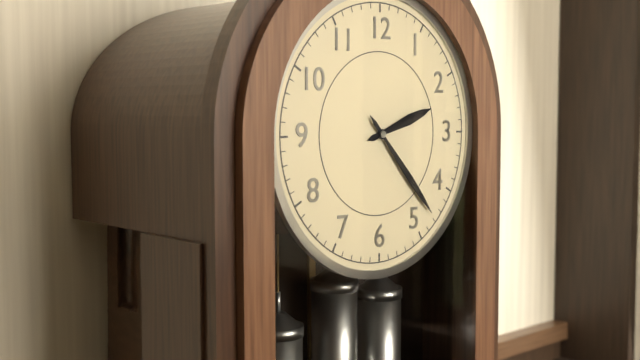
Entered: 2 h 23 min
